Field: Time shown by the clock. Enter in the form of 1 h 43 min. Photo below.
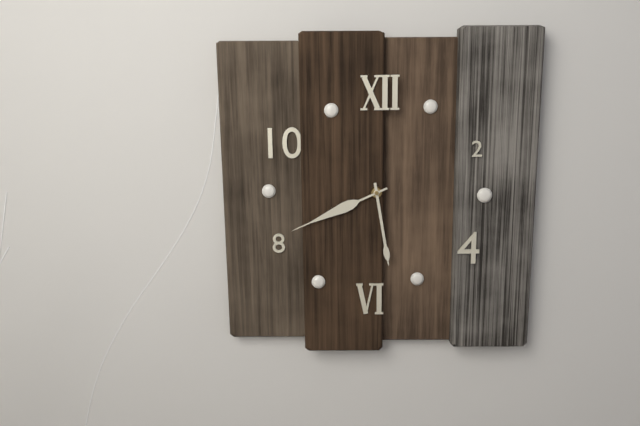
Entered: 5 h 41 min
